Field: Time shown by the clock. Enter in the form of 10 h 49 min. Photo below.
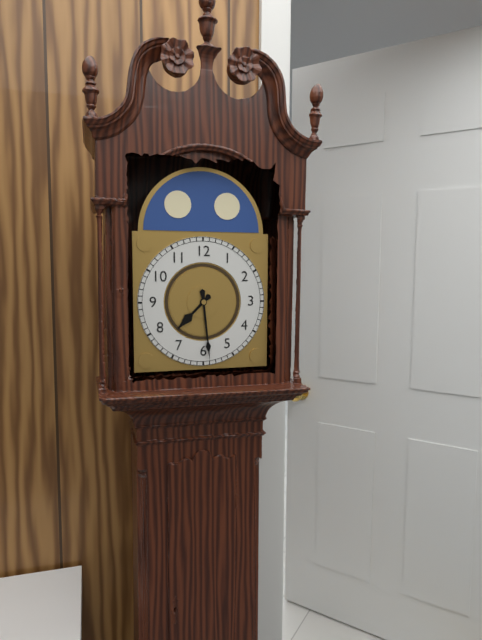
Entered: 7 h 29 min
